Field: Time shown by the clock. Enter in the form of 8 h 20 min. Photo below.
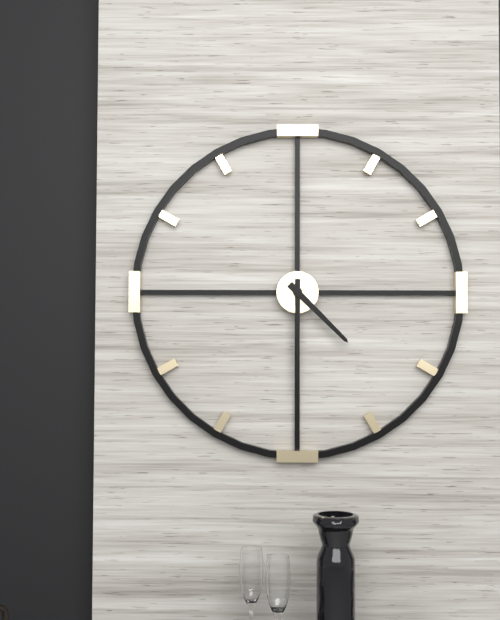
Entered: 4 h 30 min
